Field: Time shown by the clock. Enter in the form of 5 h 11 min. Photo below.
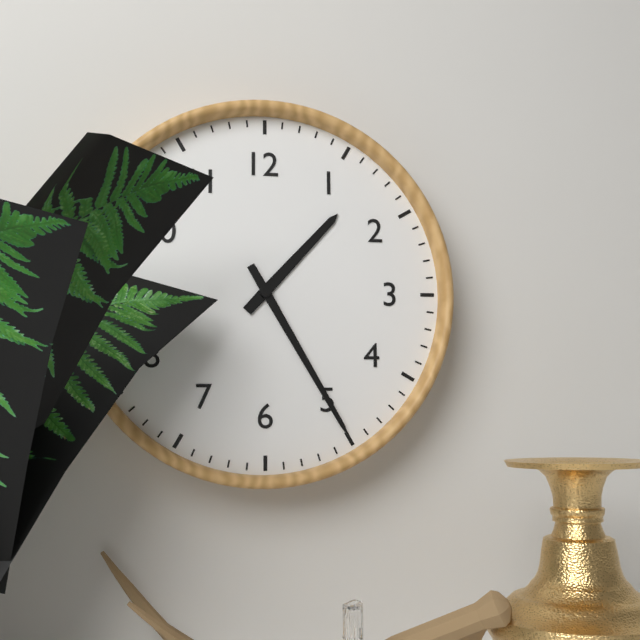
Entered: 1 h 25 min
